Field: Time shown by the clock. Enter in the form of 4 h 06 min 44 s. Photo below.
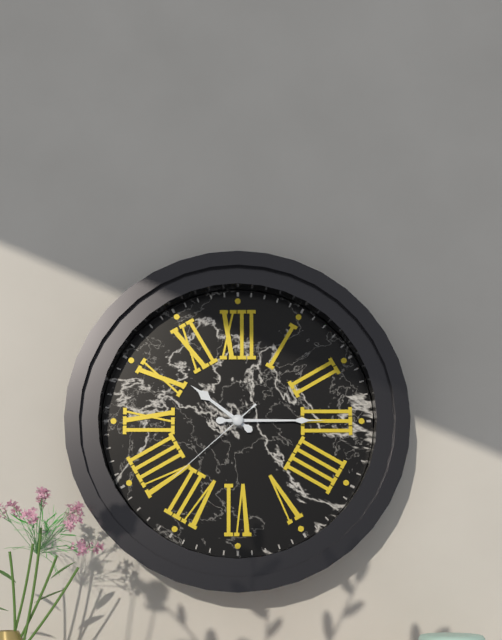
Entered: 10 h 15 min 38 s
